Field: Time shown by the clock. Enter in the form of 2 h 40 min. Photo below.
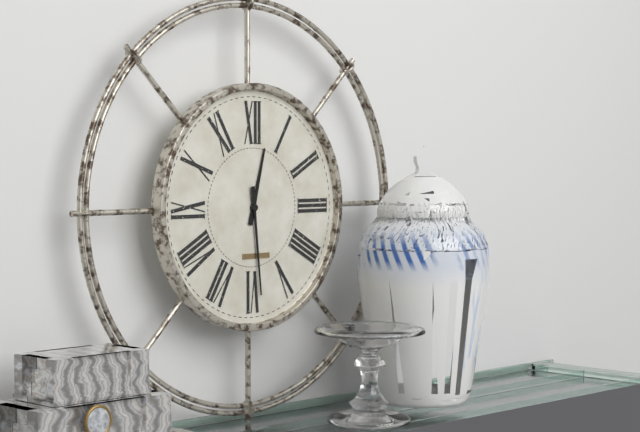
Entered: 12 h 29 min
